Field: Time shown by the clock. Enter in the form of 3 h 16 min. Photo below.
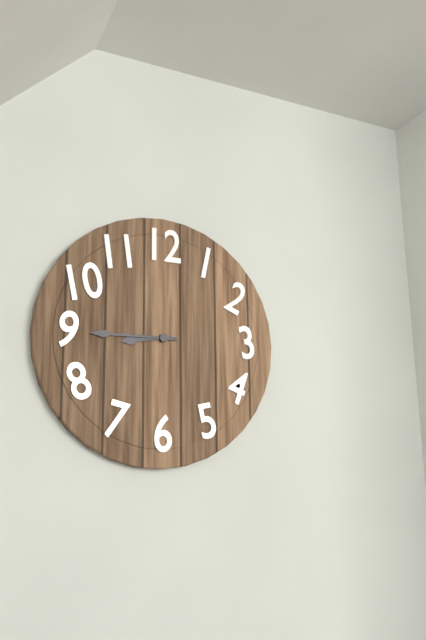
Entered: 8 h 45 min
